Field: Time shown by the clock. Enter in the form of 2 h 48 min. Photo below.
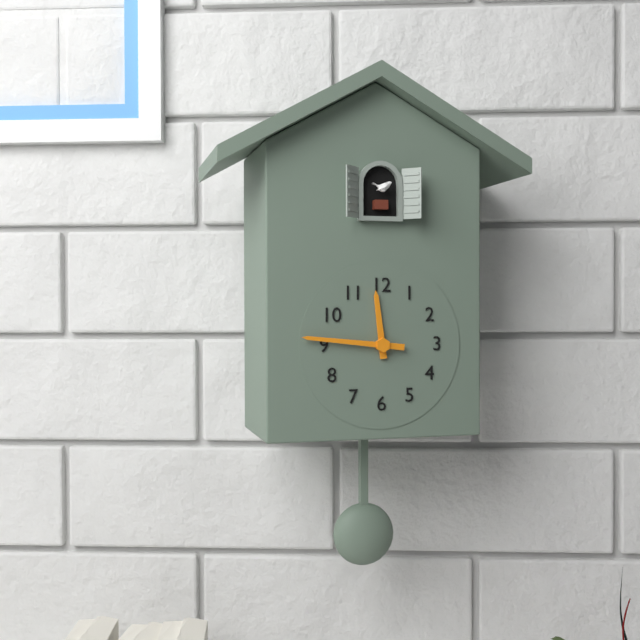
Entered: 11 h 46 min
